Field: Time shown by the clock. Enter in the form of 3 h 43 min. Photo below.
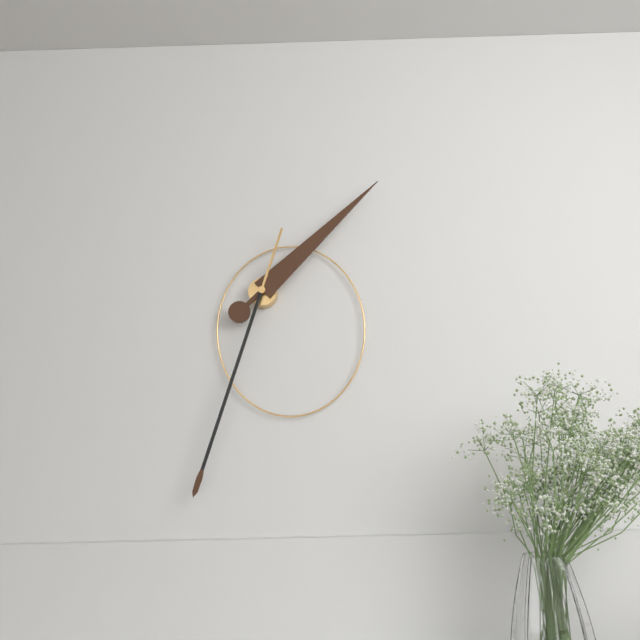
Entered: 1 h 33 min
